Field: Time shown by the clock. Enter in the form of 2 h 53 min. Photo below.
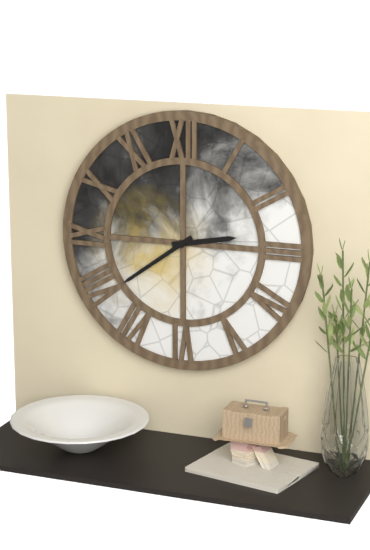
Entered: 2 h 39 min
